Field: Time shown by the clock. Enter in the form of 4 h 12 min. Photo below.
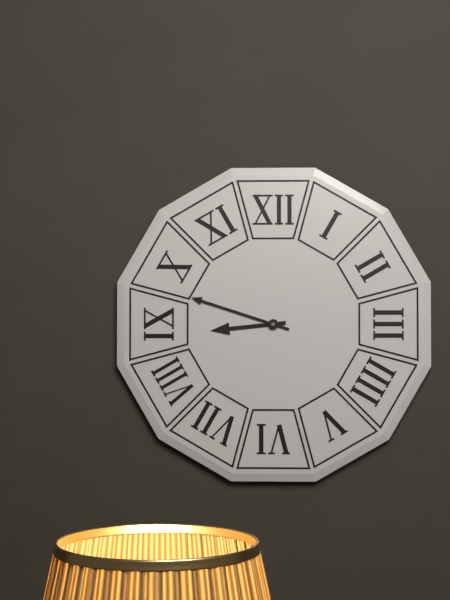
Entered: 8 h 48 min
